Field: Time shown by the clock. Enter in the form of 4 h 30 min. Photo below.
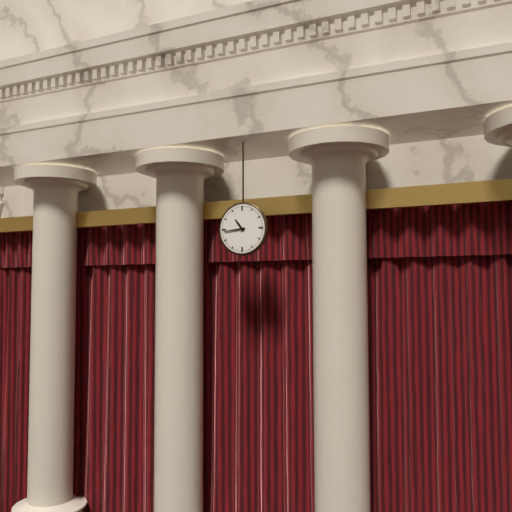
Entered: 10 h 44 min
